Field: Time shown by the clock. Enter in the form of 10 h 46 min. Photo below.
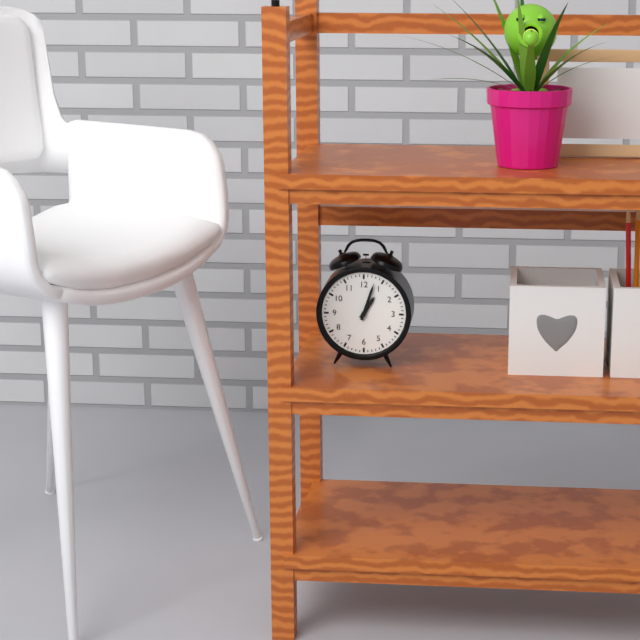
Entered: 1 h 03 min
